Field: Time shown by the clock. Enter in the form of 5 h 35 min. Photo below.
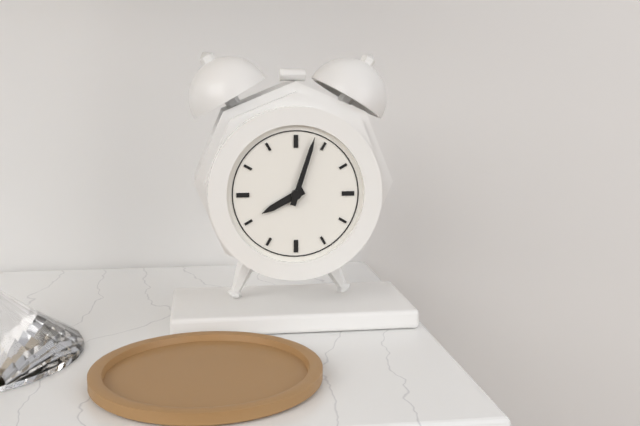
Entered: 8 h 03 min
